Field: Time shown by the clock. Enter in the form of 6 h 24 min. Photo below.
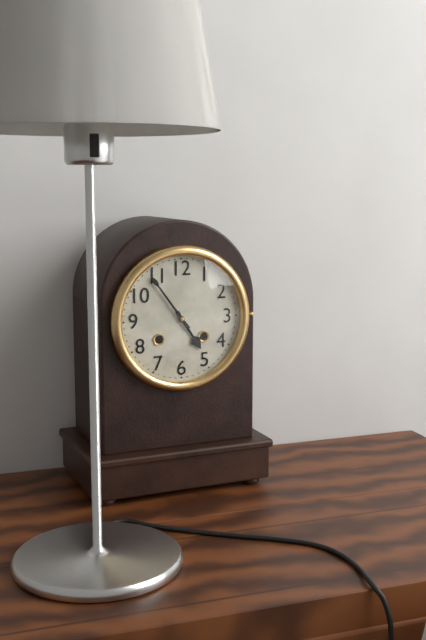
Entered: 4 h 54 min
